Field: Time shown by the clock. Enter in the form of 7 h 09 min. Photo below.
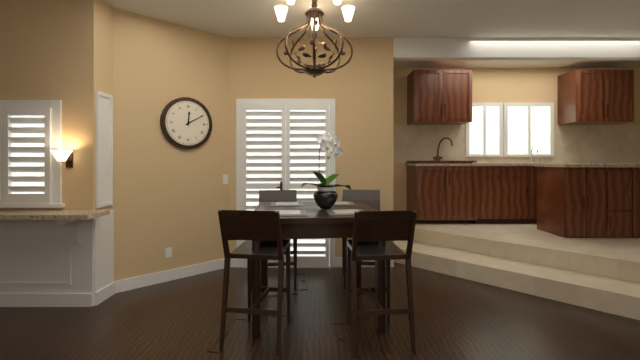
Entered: 12 h 10 min
